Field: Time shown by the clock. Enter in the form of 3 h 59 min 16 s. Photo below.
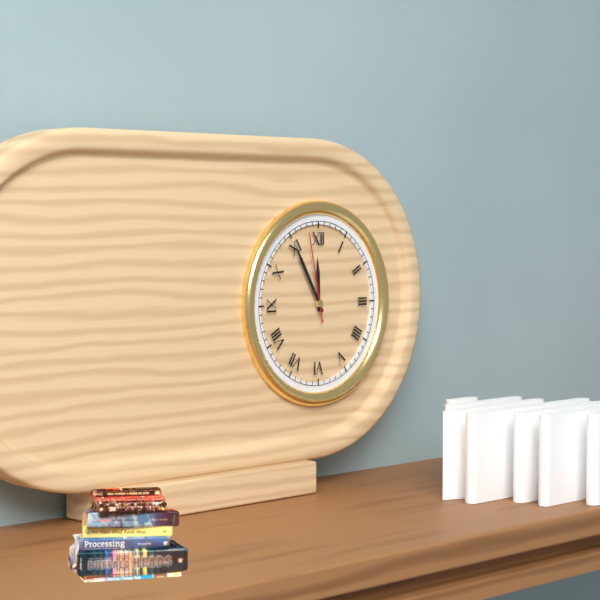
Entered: 11 h 55 min 58 s
